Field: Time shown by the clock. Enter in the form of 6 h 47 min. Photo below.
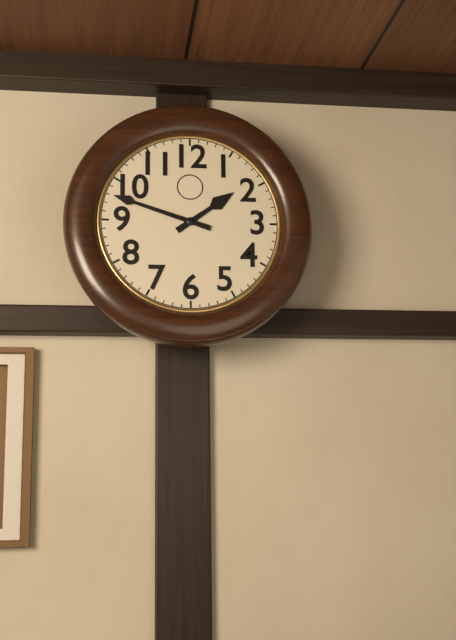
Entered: 1 h 48 min
